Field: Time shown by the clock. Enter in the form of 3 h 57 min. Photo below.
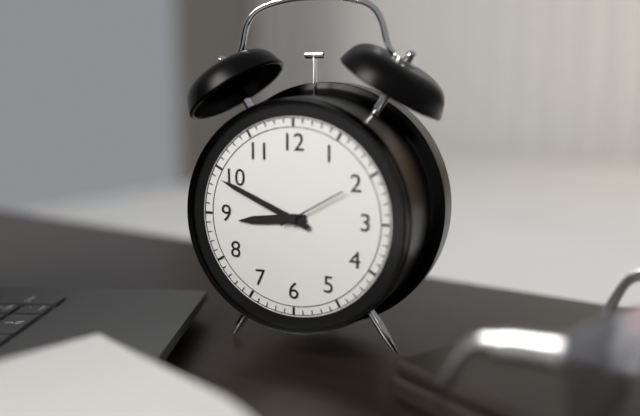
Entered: 8 h 49 min
